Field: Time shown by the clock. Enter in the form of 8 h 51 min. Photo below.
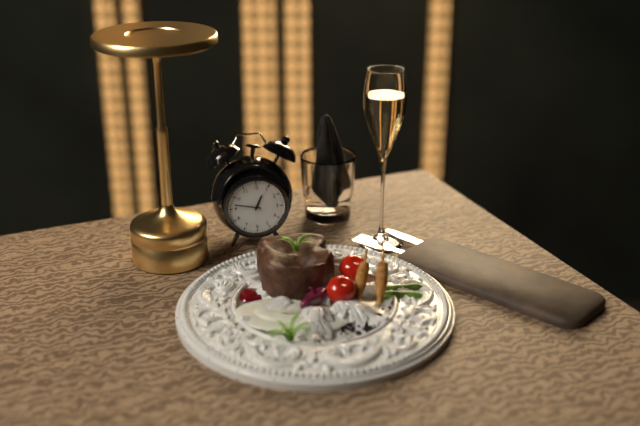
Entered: 12 h 47 min
